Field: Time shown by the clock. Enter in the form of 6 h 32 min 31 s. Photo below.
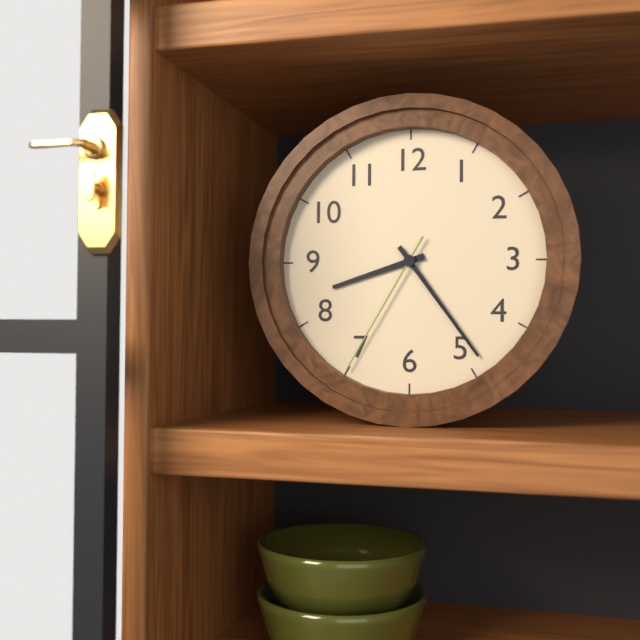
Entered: 8 h 24 min 35 s
